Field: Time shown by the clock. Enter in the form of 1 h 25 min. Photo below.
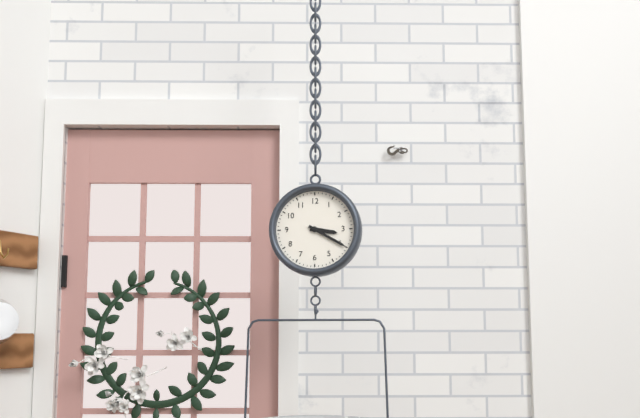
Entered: 3 h 20 min
